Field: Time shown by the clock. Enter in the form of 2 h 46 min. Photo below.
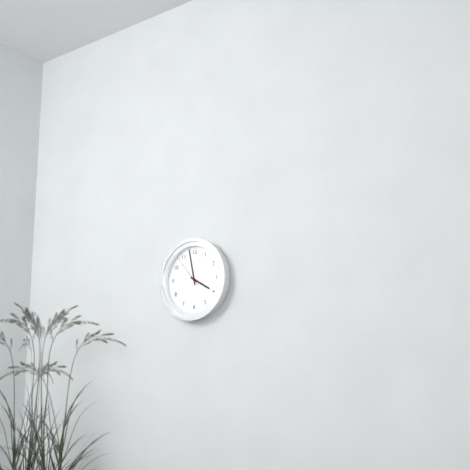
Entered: 3 h 58 min
